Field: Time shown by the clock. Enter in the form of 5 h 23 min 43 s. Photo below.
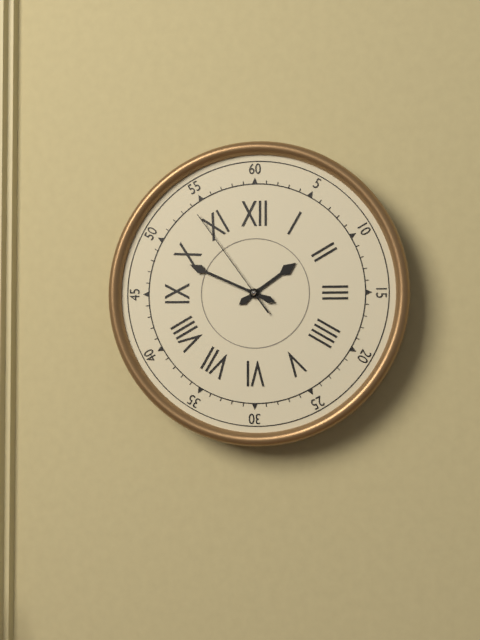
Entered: 1 h 49 min 54 s
